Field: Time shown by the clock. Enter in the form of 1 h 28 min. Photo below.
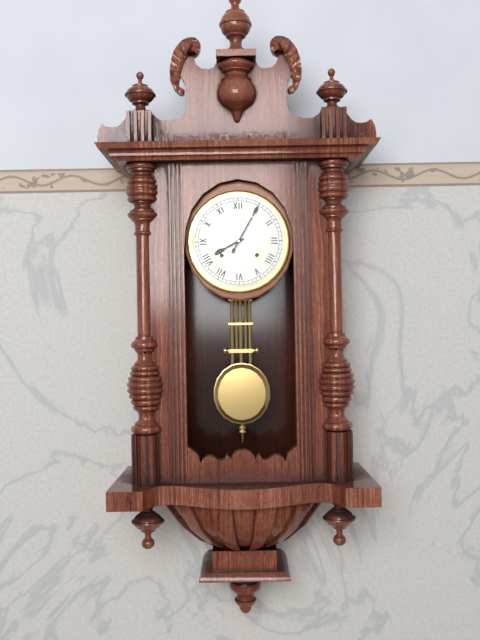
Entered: 8 h 05 min
